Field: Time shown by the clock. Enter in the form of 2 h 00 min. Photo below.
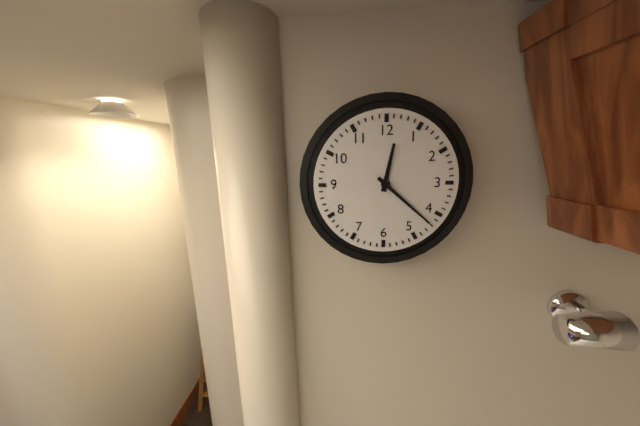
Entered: 12 h 22 min
